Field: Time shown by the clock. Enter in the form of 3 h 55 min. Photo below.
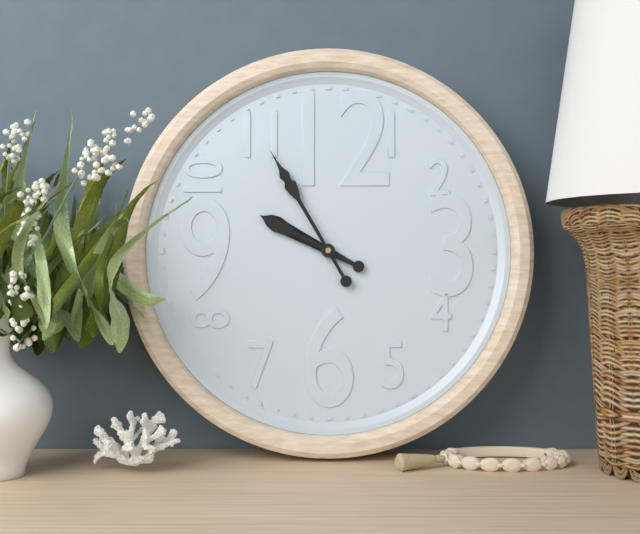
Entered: 9 h 55 min
